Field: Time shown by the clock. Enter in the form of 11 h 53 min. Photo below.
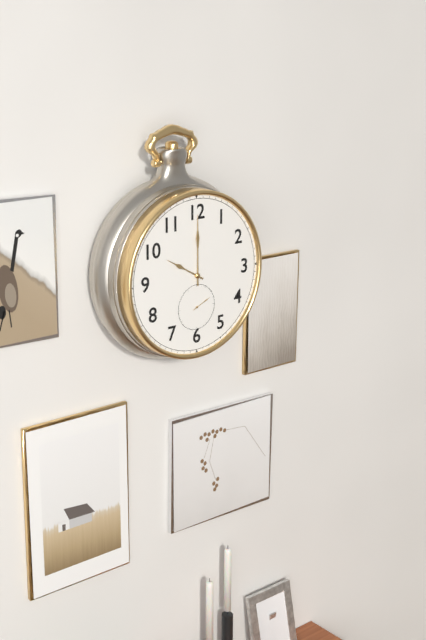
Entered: 10 h 00 min
